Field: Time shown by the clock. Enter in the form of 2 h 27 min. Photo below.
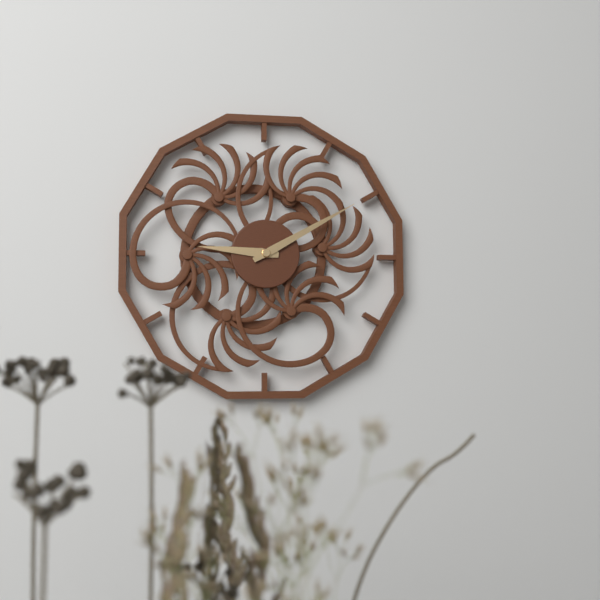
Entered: 9 h 10 min
